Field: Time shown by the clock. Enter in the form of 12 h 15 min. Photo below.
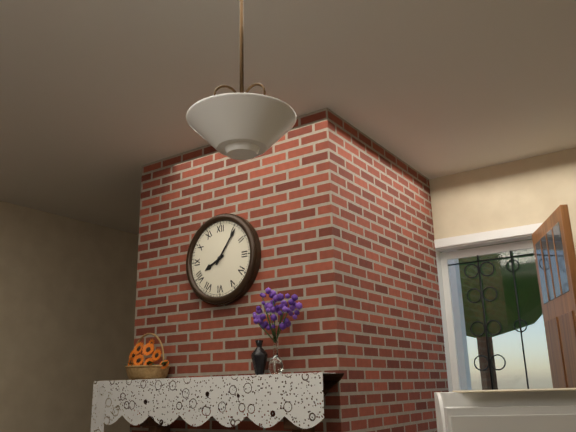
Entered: 8 h 06 min
